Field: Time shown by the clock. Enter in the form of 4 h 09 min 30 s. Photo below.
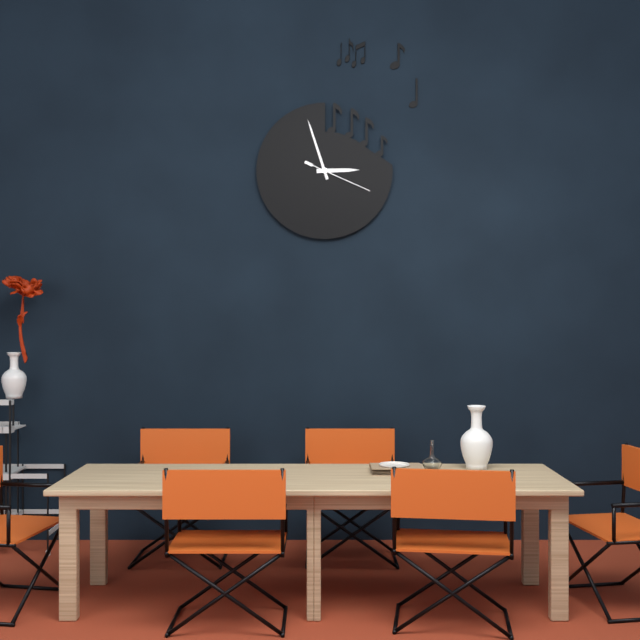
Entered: 2 h 57 min 19 s
